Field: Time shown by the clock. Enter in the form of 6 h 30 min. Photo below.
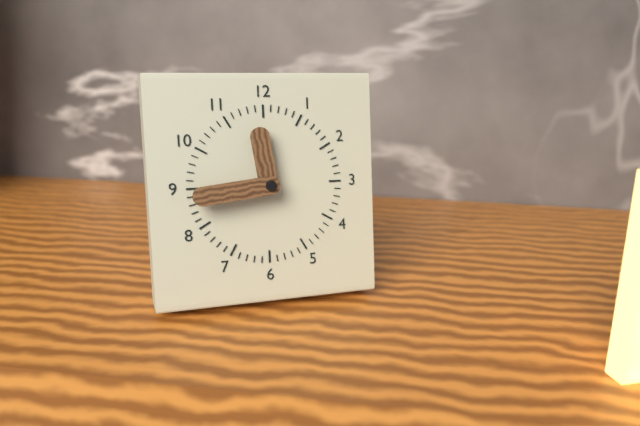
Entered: 11 h 44 min
